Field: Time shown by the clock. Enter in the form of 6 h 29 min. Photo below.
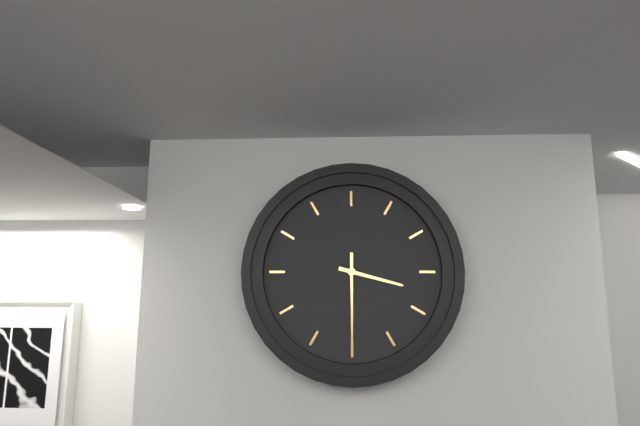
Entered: 3 h 30 min
